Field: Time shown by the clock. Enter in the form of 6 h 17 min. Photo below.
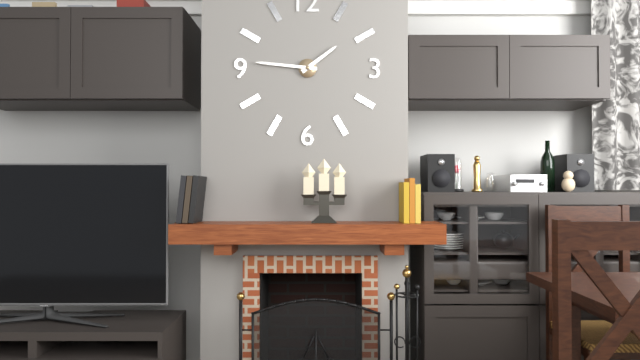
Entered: 1 h 46 min
